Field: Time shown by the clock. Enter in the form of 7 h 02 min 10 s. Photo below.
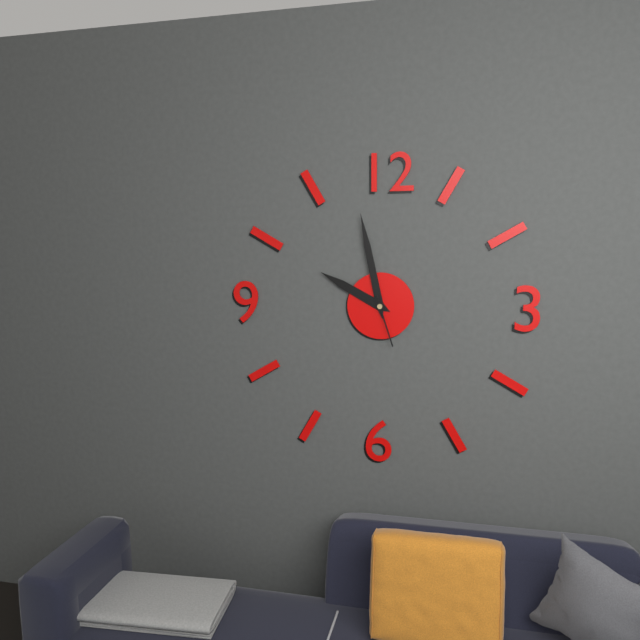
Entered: 9 h 58 min 27 s
